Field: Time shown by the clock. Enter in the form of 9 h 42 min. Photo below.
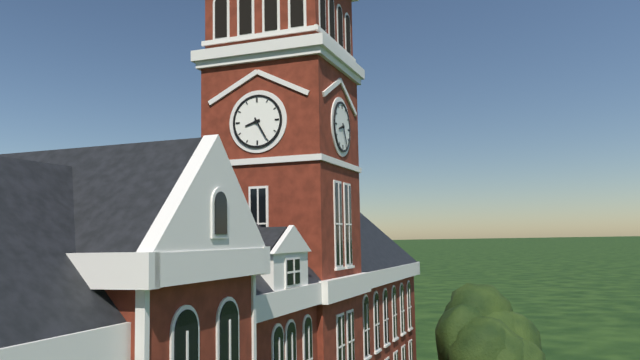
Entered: 8 h 25 min
